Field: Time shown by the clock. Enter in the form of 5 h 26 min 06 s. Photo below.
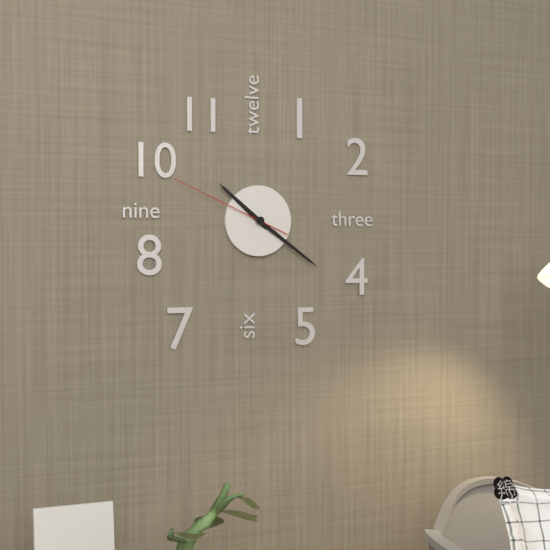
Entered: 10 h 21 min 49 s
